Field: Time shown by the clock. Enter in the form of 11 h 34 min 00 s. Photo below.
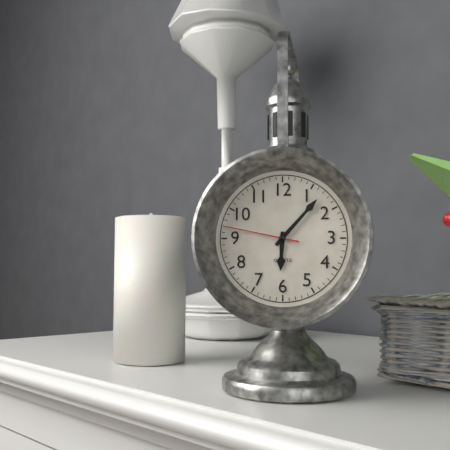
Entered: 6 h 07 min 47 s
